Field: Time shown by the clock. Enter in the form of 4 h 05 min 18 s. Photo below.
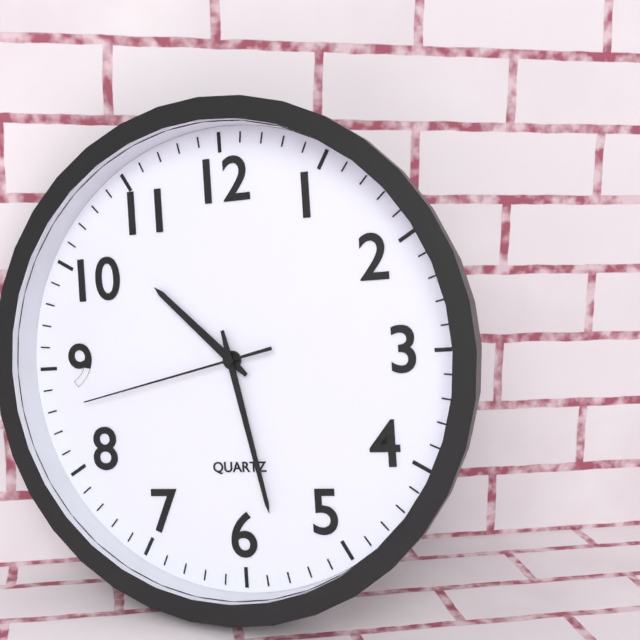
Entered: 10 h 28 min 43 s
